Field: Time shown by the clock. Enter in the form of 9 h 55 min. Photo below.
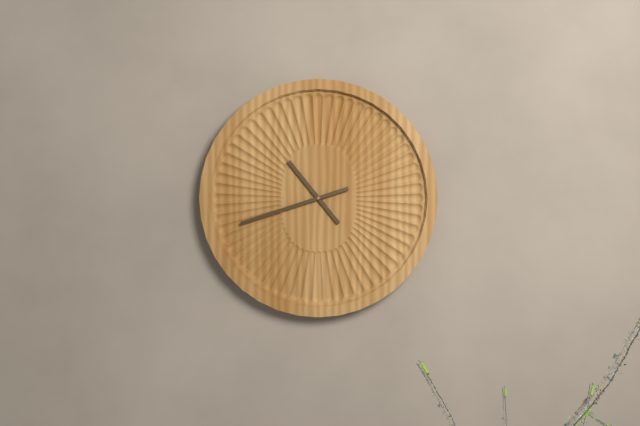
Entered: 10 h 42 min
